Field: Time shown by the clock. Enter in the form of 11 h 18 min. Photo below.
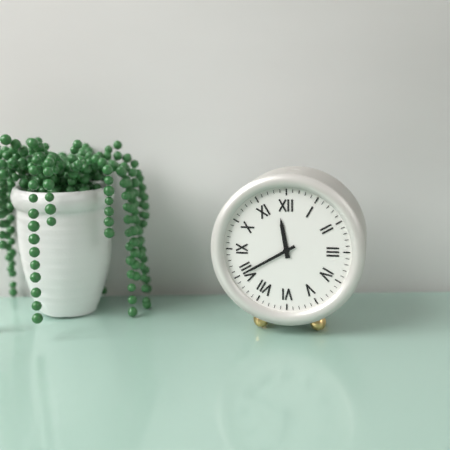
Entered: 11 h 40 min
